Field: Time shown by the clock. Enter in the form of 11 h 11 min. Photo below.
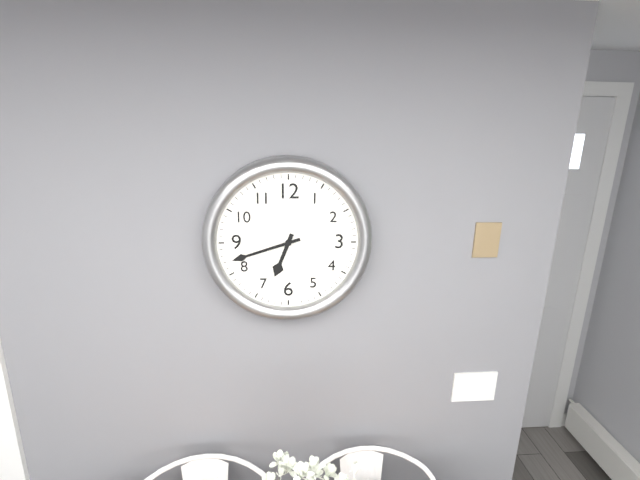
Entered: 6 h 42 min
